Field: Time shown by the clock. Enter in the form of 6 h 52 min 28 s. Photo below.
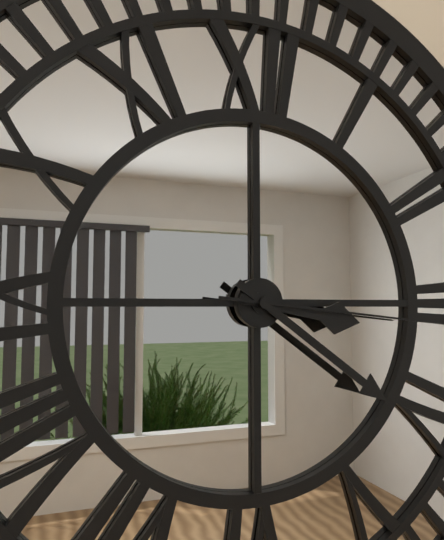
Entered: 3 h 21 min 16 s
